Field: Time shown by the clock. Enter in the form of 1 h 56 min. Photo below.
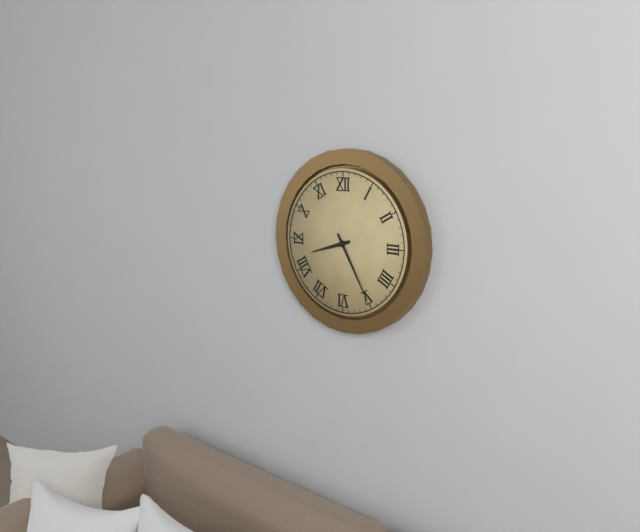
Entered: 8 h 25 min
